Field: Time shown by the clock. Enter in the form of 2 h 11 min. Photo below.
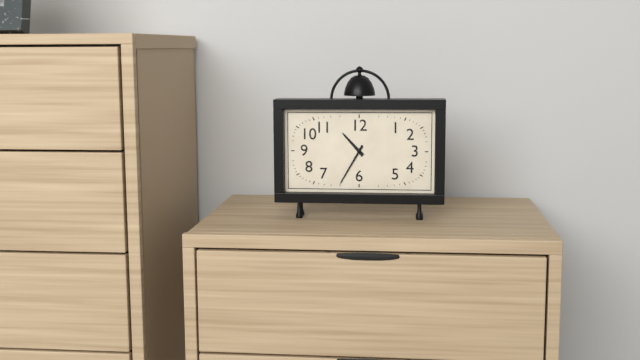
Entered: 10 h 35 min
